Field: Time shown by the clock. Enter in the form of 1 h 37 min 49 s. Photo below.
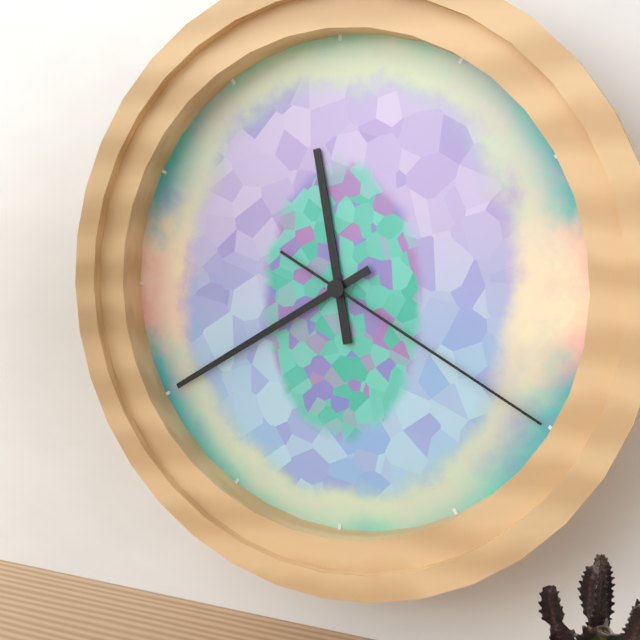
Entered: 11 h 40 min 20 s
